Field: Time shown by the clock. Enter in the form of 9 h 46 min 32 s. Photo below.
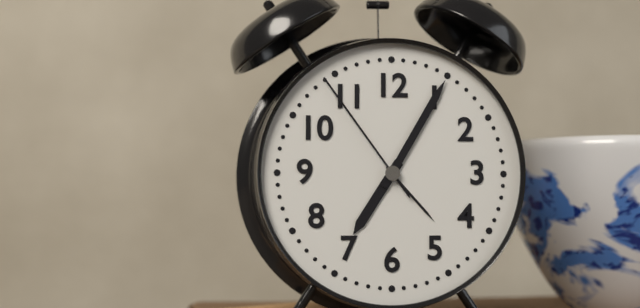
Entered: 7 h 05 min 54 s
